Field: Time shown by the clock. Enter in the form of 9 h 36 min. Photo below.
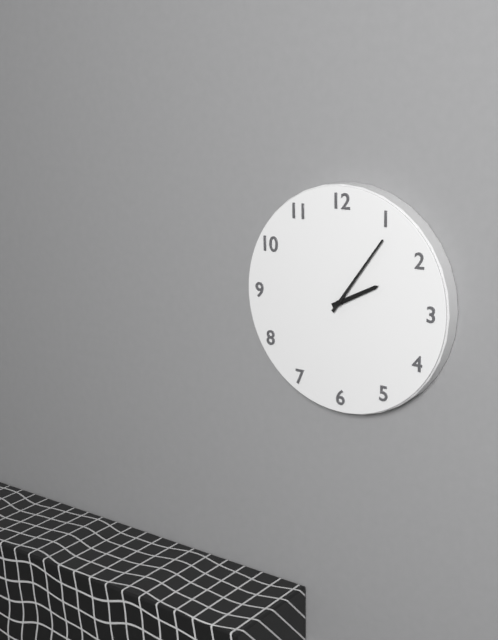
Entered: 2 h 06 min
